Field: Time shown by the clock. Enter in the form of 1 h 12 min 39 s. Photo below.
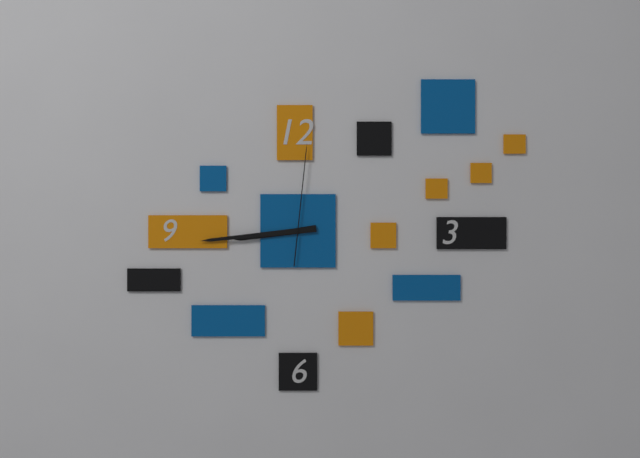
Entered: 8 h 44 min 01 s
